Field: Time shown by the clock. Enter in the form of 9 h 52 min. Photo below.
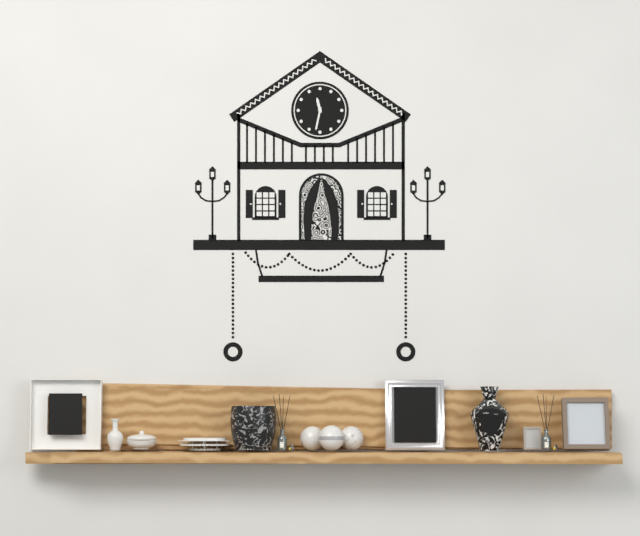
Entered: 11 h 32 min
